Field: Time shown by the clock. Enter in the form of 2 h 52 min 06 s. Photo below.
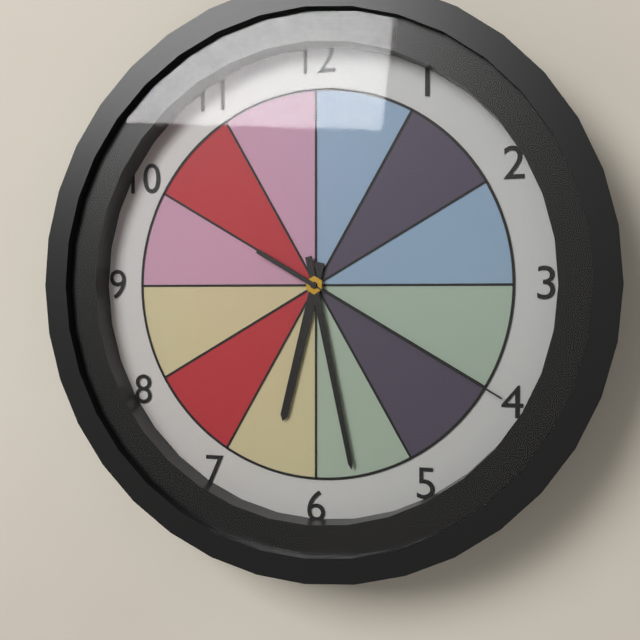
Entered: 6 h 28 min 20 s
